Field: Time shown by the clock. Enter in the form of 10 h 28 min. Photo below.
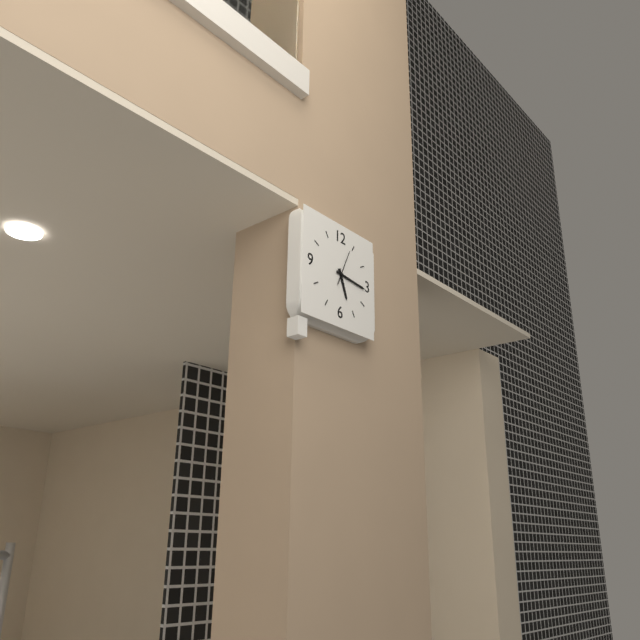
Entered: 5 h 16 min
